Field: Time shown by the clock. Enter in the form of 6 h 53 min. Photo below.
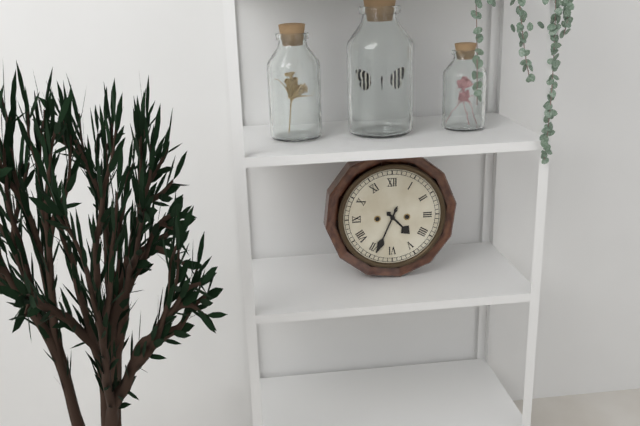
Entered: 4 h 34 min
